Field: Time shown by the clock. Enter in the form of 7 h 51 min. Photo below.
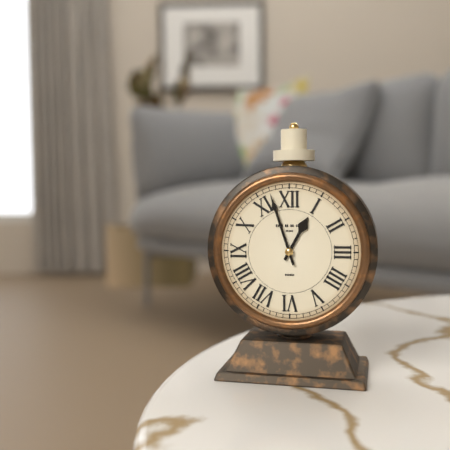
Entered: 12 h 57 min
